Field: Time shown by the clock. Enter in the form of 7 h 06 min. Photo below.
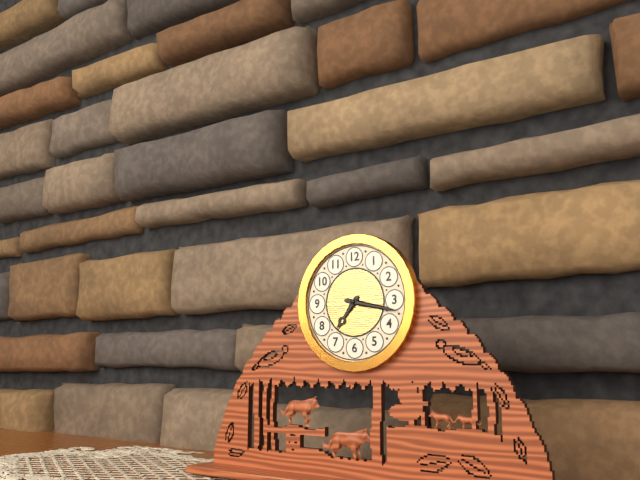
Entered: 7 h 17 min
